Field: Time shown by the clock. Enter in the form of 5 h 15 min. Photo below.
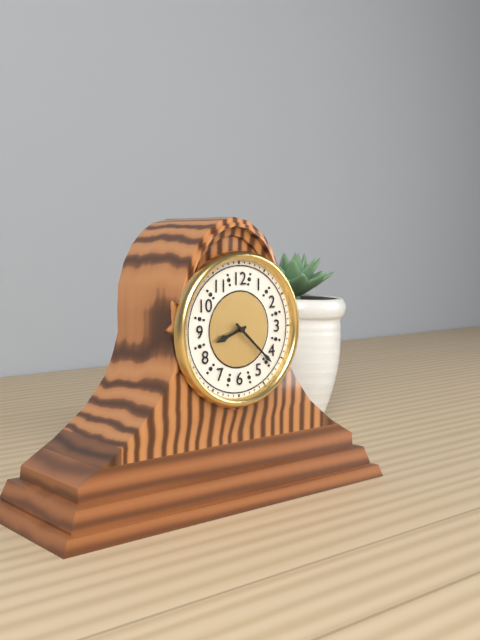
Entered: 8 h 22 min
